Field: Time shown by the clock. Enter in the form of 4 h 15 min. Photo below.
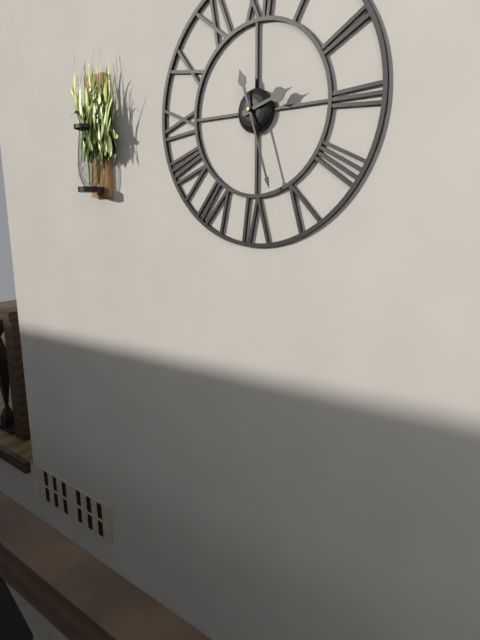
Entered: 2 h 27 min
